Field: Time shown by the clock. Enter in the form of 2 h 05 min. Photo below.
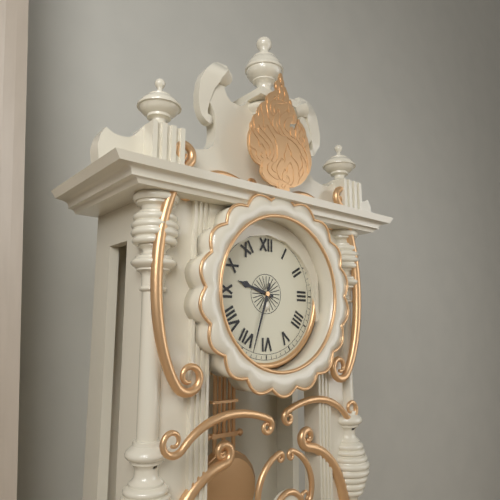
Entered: 9 h 33 min
